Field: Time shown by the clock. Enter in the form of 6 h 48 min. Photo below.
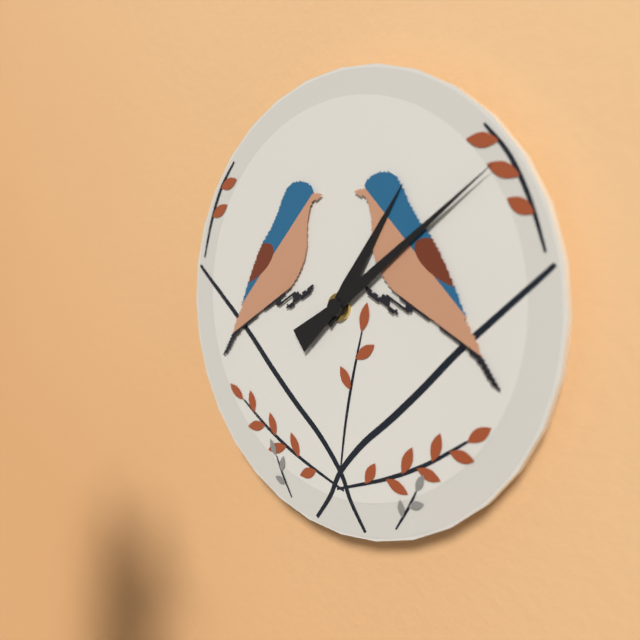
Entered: 1 h 09 min
